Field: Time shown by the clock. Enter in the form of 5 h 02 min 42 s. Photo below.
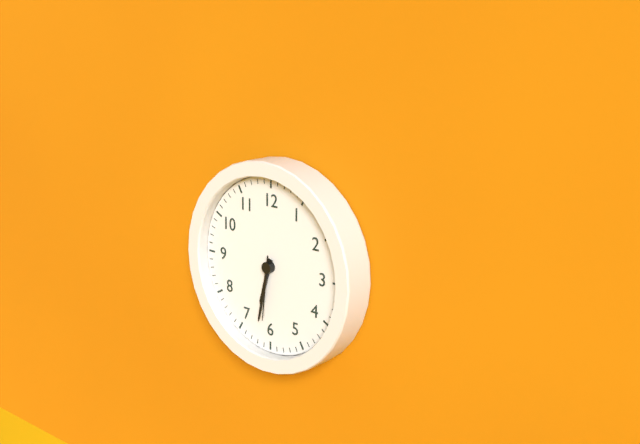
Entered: 6 h 32 min 31 s
